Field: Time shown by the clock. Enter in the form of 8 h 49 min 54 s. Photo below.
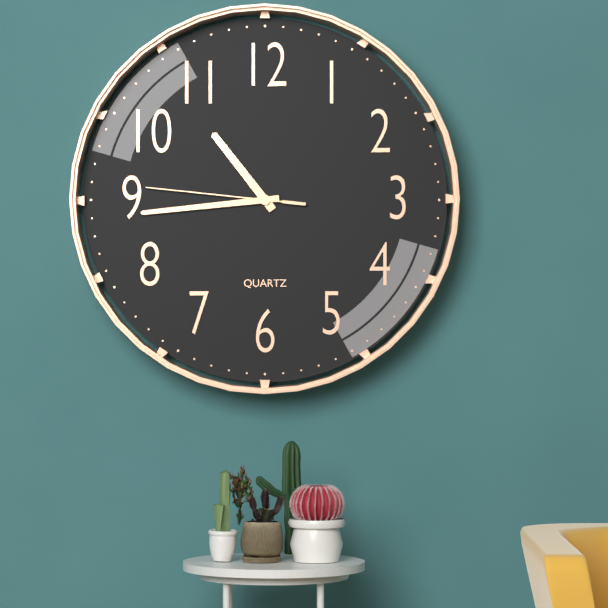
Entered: 10 h 44 min 46 s
